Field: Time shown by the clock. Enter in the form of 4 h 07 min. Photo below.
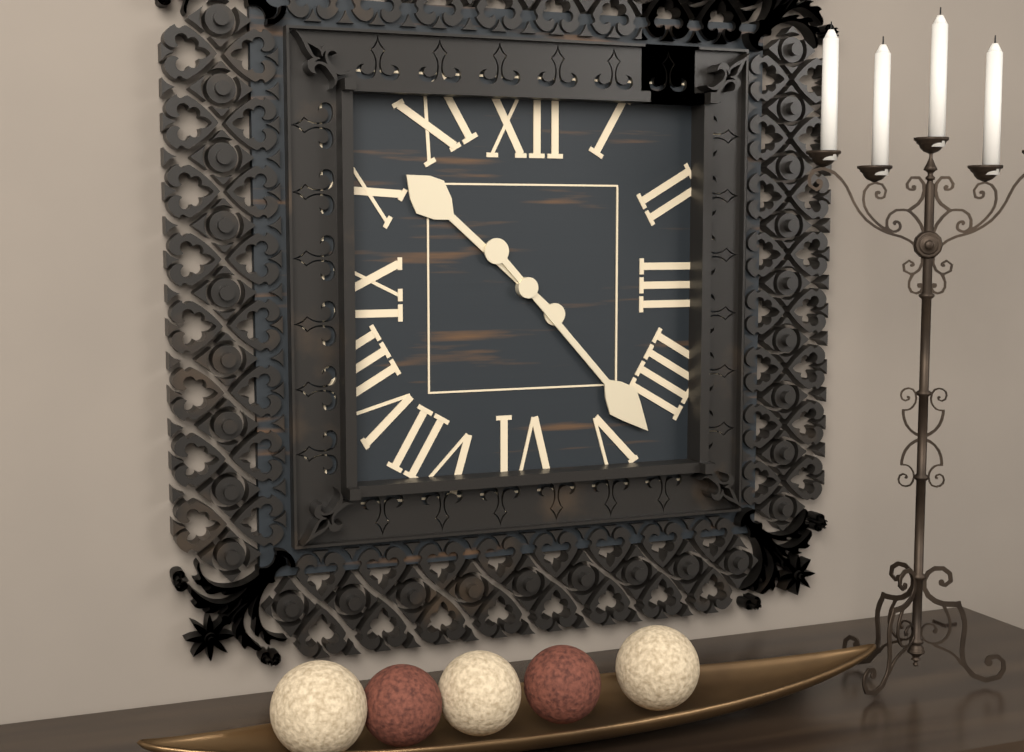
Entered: 10 h 23 min
